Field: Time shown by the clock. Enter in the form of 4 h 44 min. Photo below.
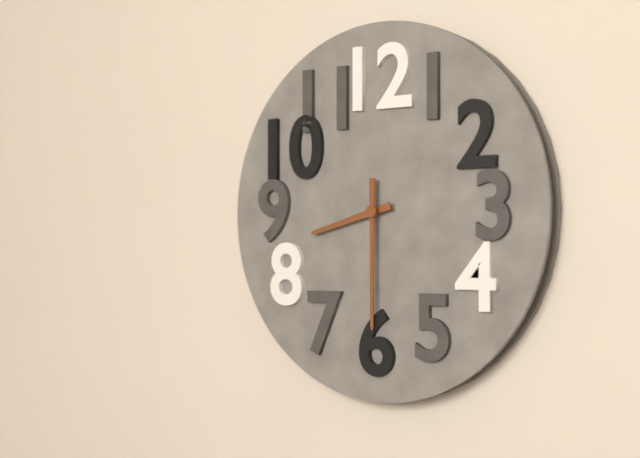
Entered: 8 h 30 min
